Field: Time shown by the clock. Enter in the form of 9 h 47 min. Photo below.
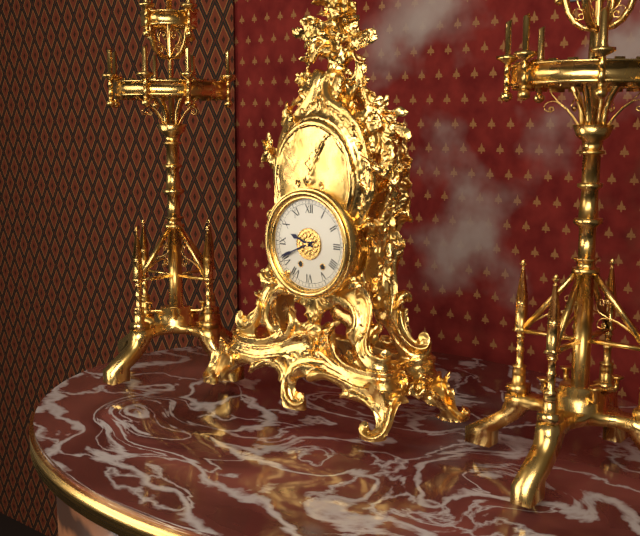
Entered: 9 h 41 min
